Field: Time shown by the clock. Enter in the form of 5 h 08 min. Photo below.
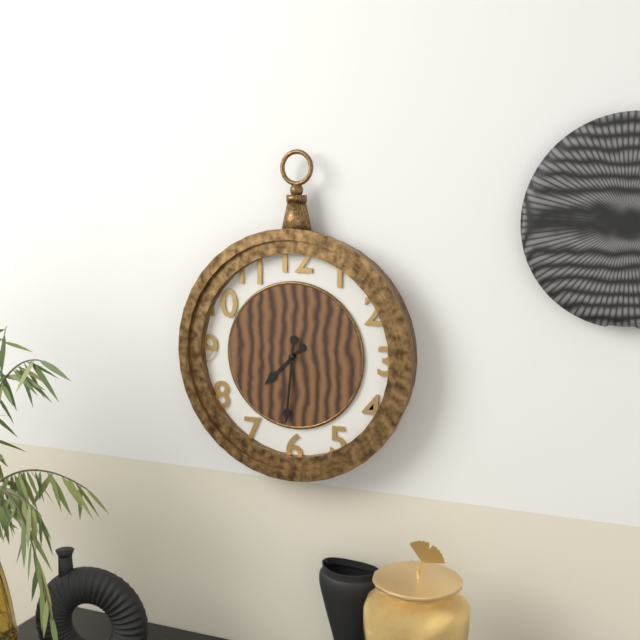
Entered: 7 h 31 min
